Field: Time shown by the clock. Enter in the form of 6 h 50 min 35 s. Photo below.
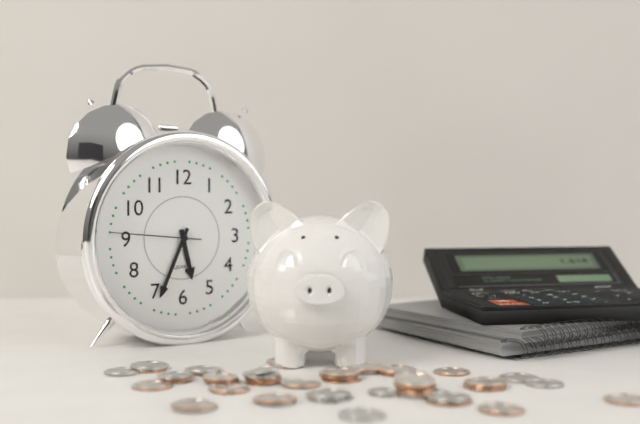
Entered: 5 h 34 min 46 s
